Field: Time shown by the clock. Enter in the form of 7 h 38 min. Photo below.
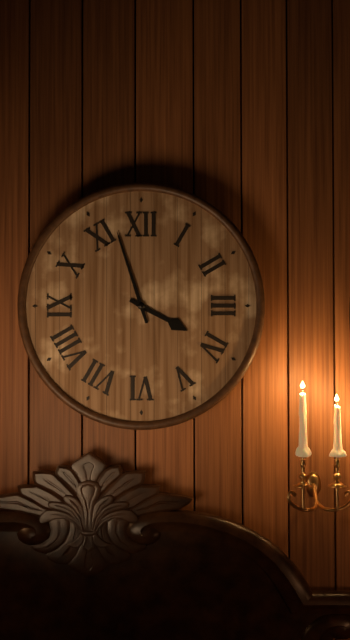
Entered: 3 h 57 min
